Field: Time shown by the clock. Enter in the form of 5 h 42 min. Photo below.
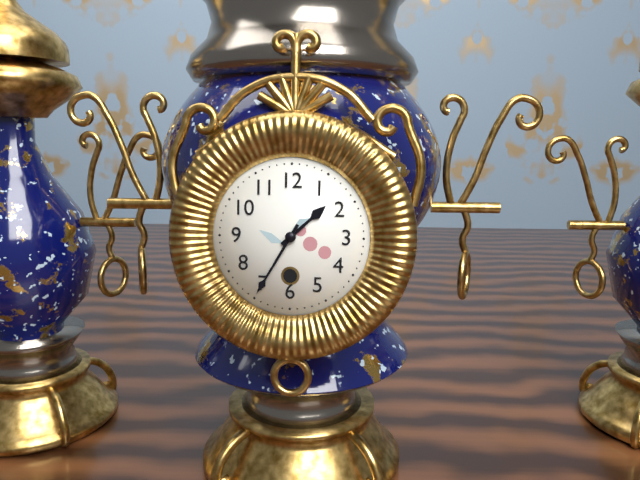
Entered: 1 h 35 min
